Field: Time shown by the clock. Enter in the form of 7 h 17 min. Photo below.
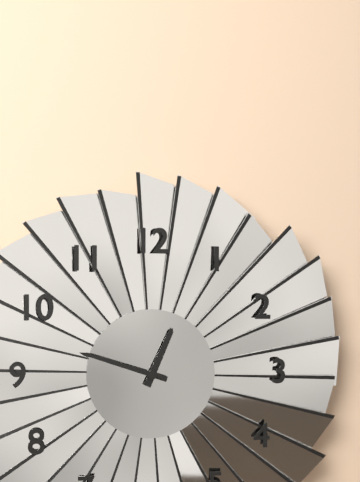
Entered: 12 h 48 min
